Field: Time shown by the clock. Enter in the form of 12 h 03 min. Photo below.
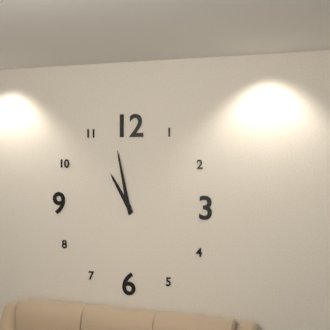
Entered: 10 h 58 min
